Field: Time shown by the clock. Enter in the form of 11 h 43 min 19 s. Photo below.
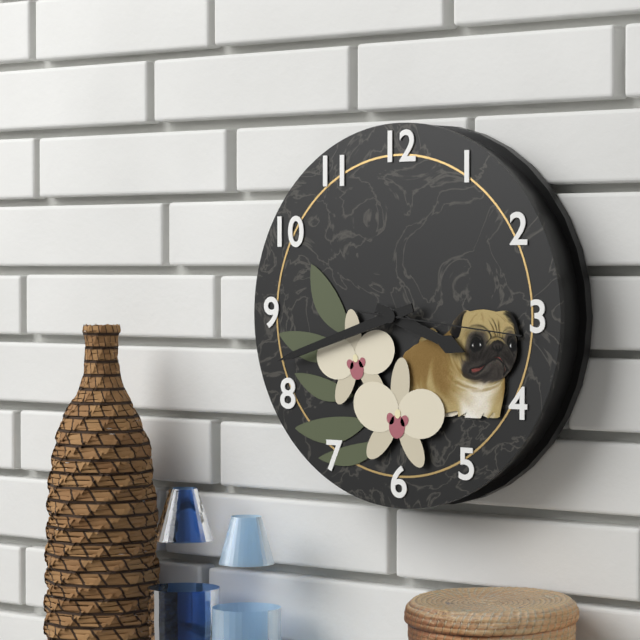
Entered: 3 h 42 min 16 s
